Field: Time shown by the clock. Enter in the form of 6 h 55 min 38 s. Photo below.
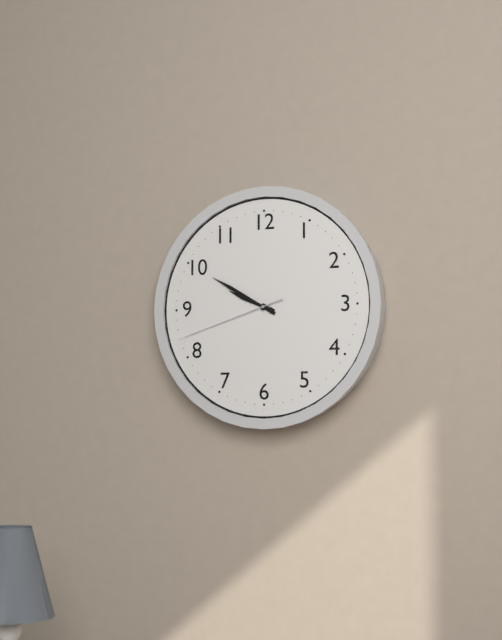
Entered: 9 h 50 min 42 s
